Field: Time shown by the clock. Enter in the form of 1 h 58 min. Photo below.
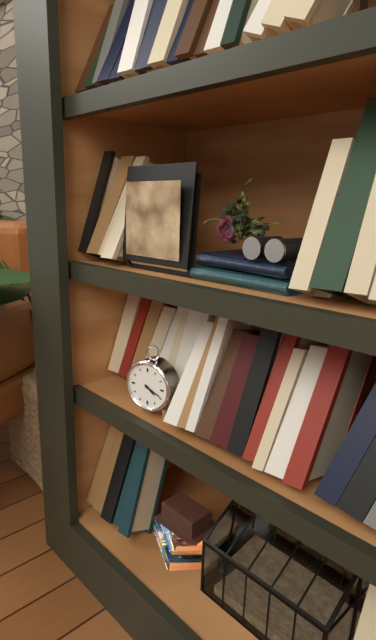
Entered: 4 h 19 min
